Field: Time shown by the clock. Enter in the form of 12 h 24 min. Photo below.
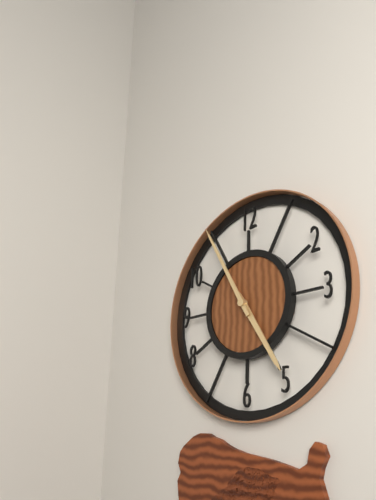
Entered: 4 h 55 min
